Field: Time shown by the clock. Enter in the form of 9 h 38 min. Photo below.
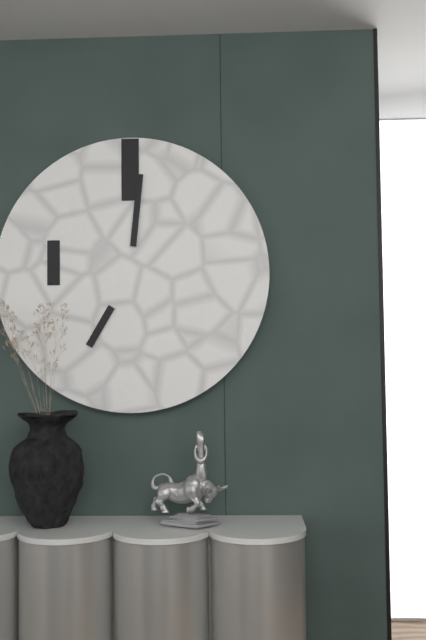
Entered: 7 h 01 min
